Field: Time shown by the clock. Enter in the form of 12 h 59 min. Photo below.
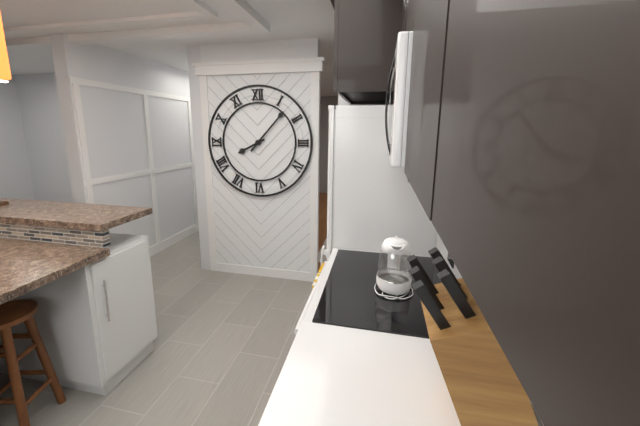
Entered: 8 h 07 min
